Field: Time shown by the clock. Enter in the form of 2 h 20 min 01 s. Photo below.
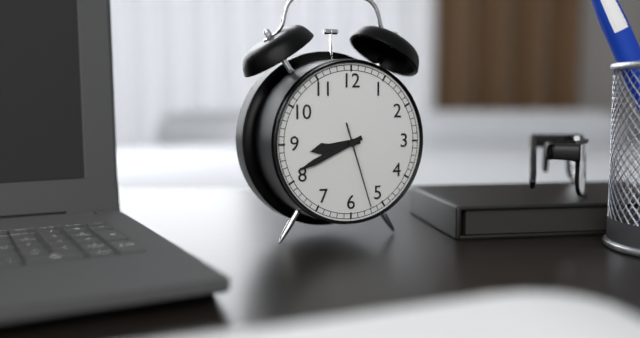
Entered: 8 h 41 min 27 s
